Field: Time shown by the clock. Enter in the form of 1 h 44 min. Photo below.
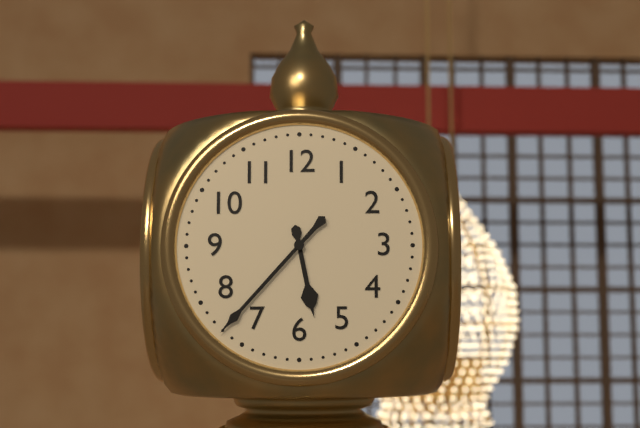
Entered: 5 h 37 min
